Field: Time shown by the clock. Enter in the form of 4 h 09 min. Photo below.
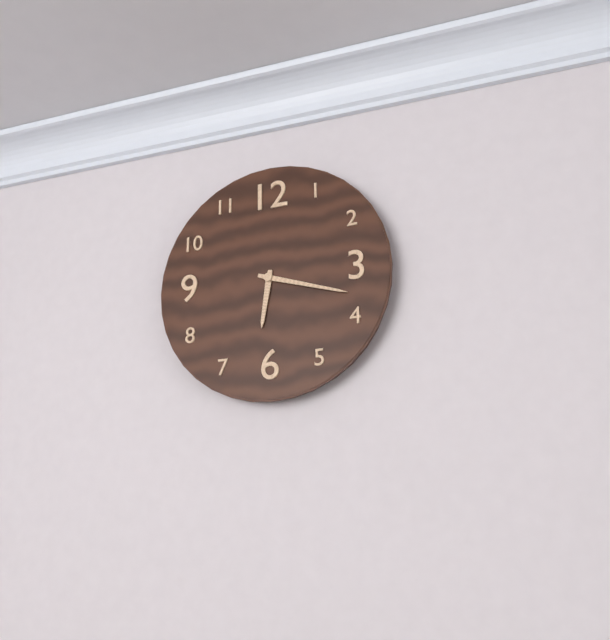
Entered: 6 h 18 min
